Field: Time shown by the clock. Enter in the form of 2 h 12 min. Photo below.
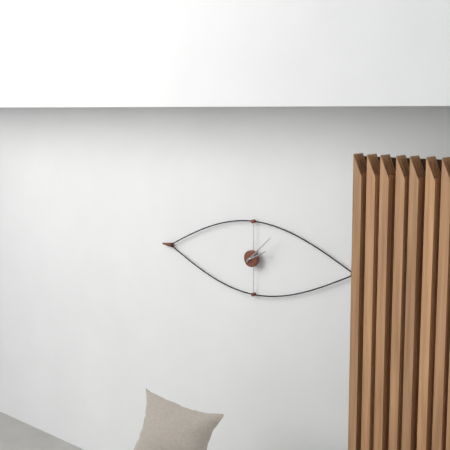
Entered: 2 h 08 min
